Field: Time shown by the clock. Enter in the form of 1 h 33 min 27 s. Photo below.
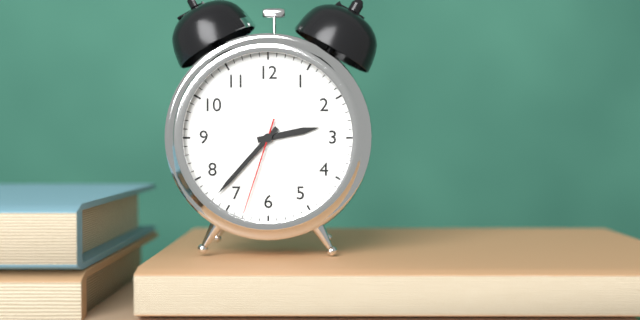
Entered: 2 h 37 min 33 s
